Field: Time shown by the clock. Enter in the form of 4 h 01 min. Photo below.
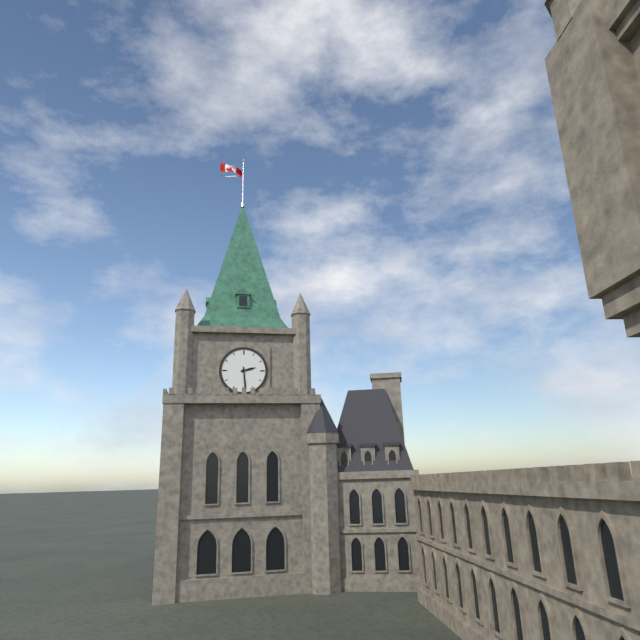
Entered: 2 h 29 min
